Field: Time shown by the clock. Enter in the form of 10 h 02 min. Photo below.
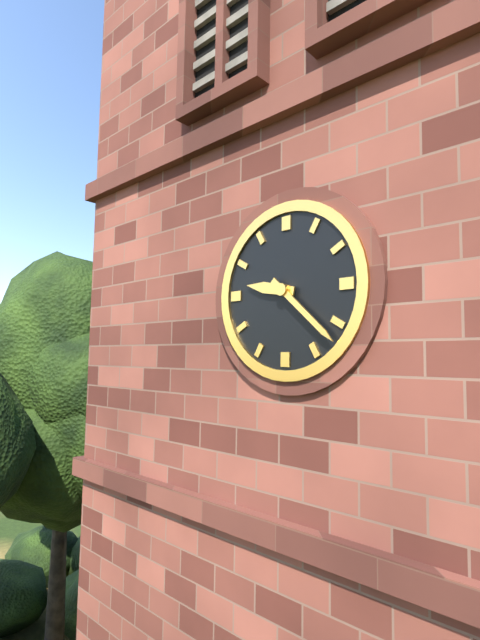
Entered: 9 h 22 min
